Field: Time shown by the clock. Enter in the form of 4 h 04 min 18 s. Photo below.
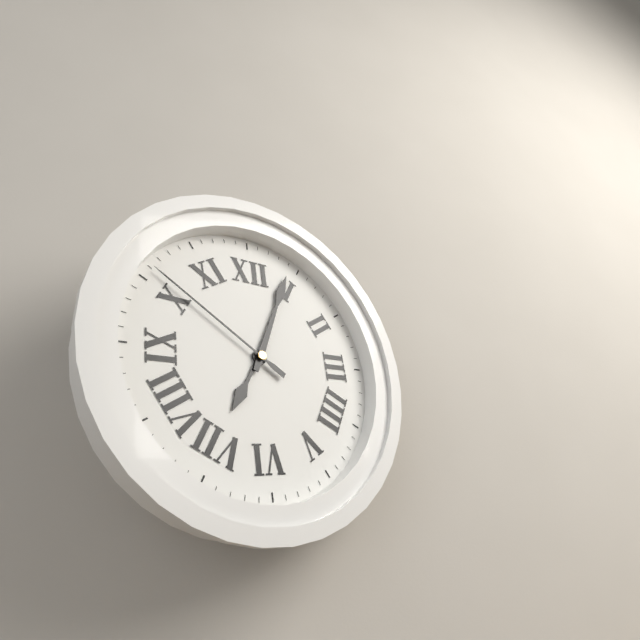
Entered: 7 h 04 min 51 s
